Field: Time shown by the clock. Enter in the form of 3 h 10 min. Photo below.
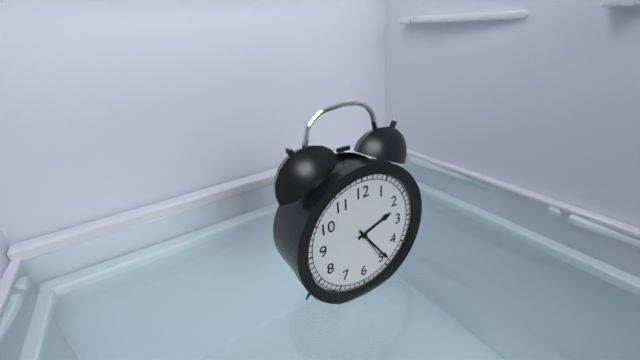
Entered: 2 h 24 min
